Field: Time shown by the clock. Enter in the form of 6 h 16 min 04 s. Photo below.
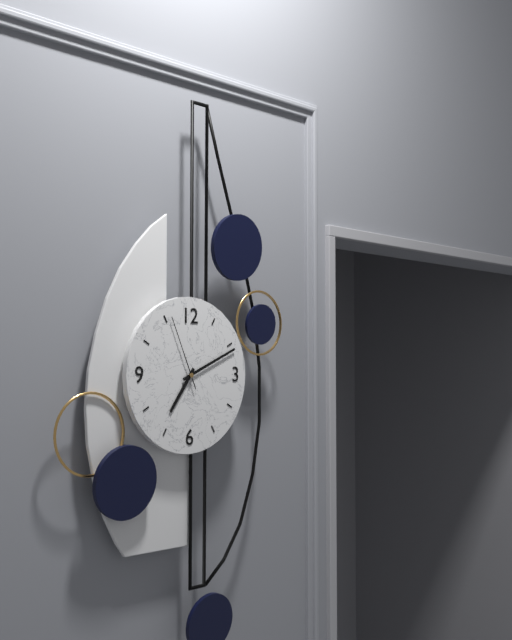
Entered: 7 h 11 min 56 s
